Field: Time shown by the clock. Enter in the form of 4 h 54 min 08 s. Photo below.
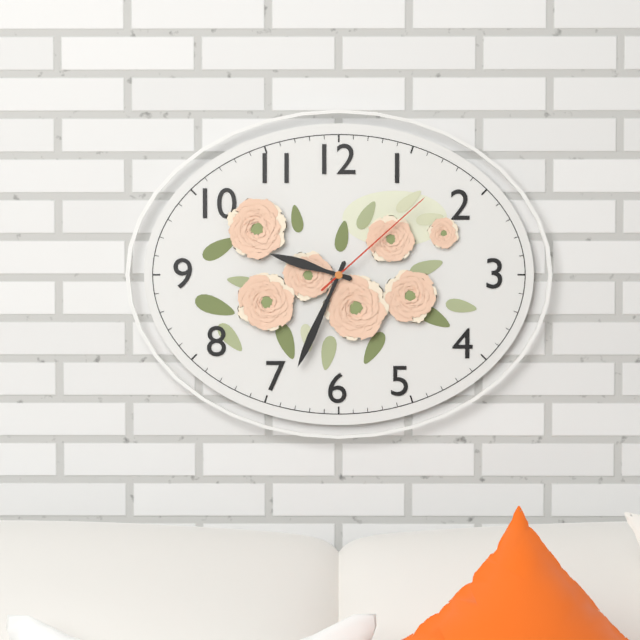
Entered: 9 h 34 min 08 s
